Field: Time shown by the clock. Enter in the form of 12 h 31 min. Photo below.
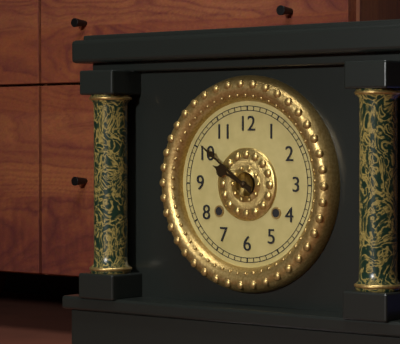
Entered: 9 h 51 min
